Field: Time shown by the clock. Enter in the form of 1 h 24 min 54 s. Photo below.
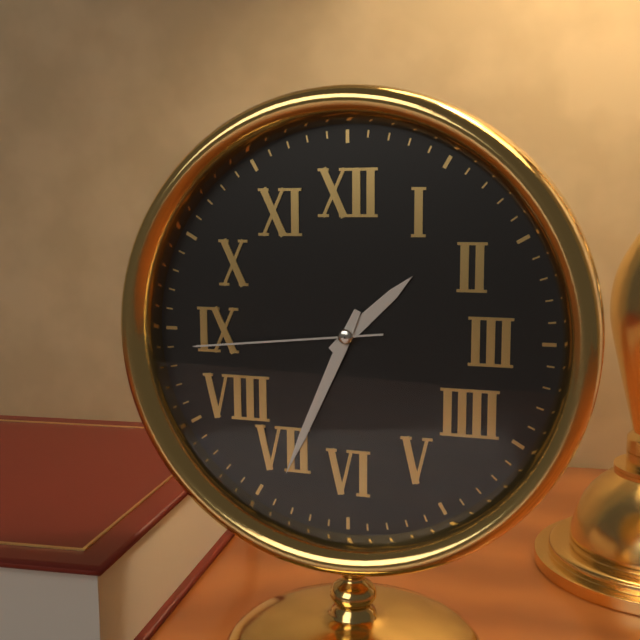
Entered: 1 h 34 min 44 s
